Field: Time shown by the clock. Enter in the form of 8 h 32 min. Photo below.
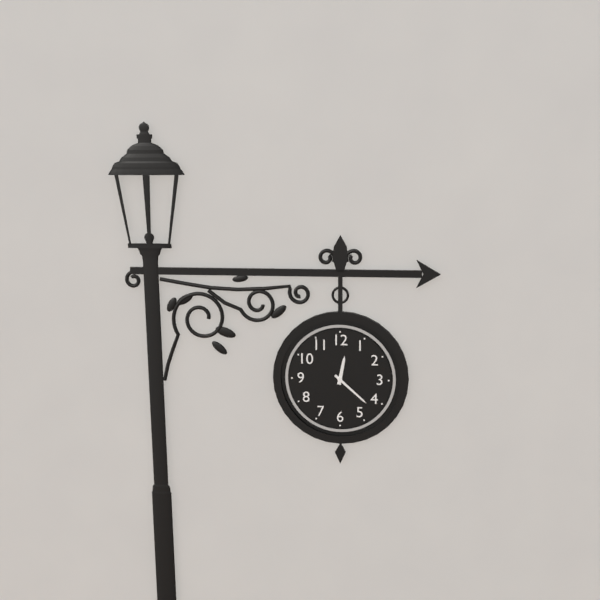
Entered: 12 h 22 min
